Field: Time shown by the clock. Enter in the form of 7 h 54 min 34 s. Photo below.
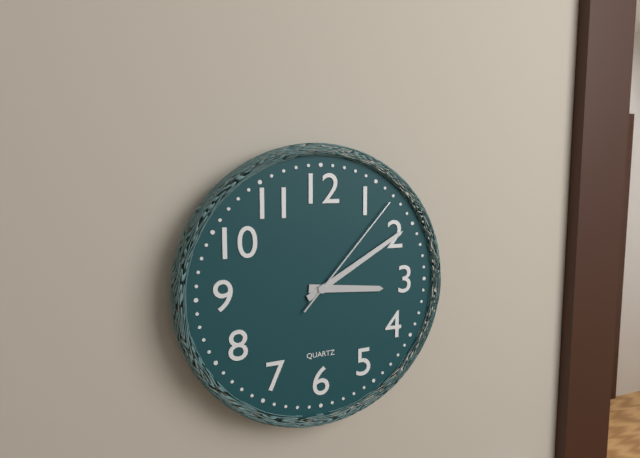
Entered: 3 h 10 min 07 s
